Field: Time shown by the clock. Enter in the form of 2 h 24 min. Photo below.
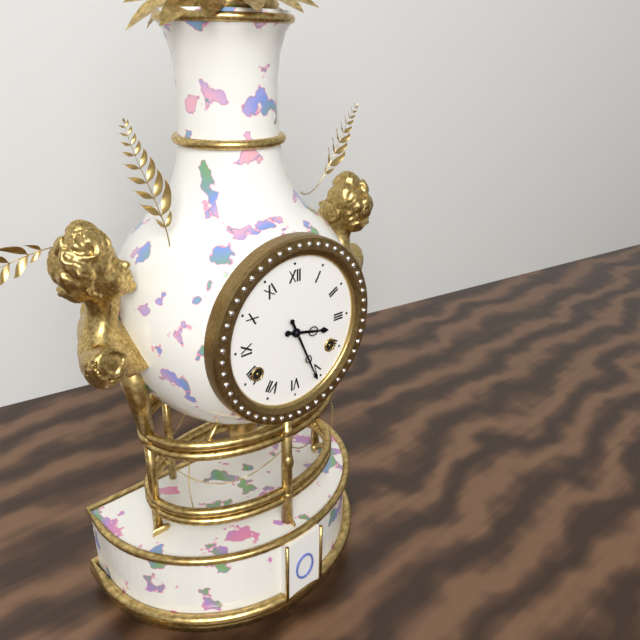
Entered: 3 h 26 min
